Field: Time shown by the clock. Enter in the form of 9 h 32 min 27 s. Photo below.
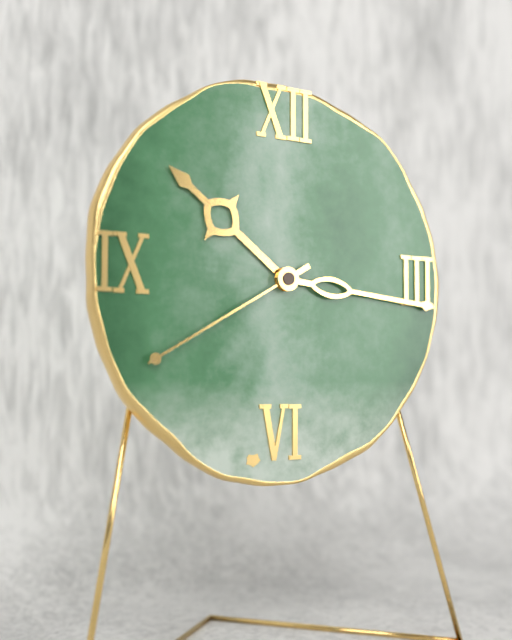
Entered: 10 h 16 min 40 s
